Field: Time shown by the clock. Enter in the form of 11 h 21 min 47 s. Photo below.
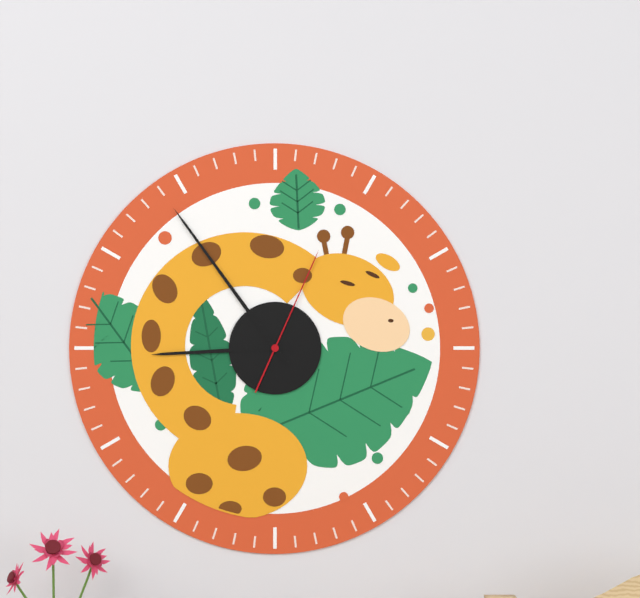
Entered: 8 h 54 min 04 s
